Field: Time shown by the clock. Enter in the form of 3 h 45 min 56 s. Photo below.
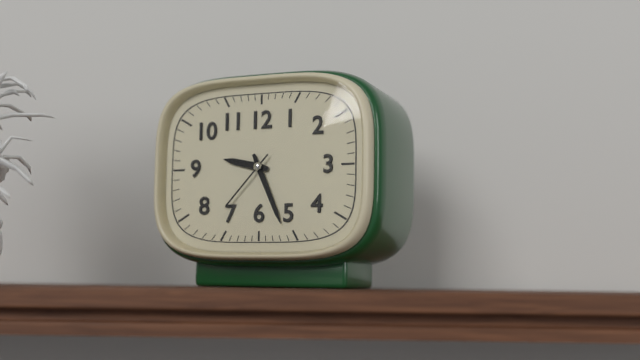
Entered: 9 h 26 min 37 s
